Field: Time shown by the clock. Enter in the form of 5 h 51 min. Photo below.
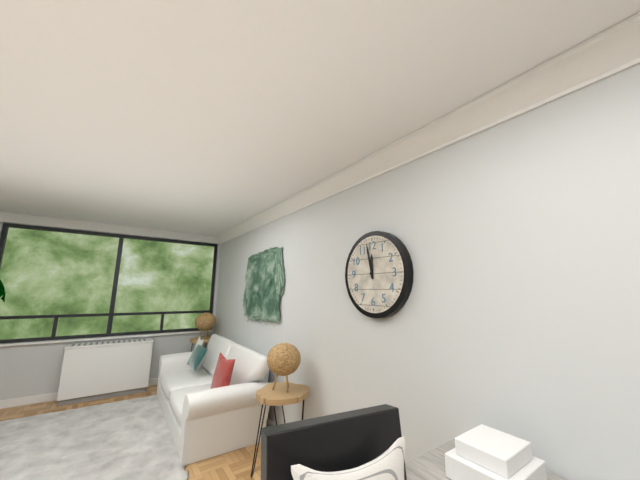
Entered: 11 h 58 min
